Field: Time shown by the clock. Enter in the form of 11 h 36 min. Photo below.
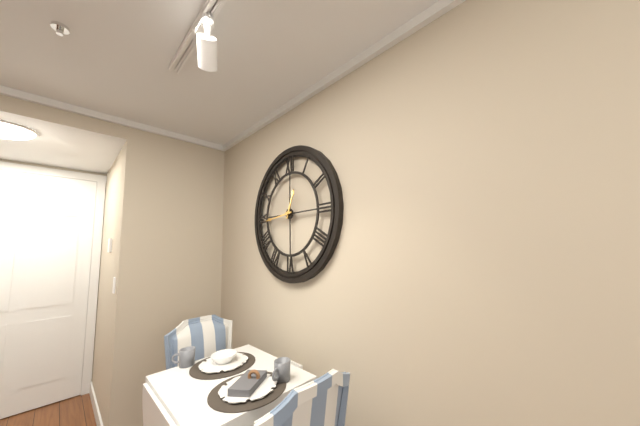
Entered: 12 h 44 min
